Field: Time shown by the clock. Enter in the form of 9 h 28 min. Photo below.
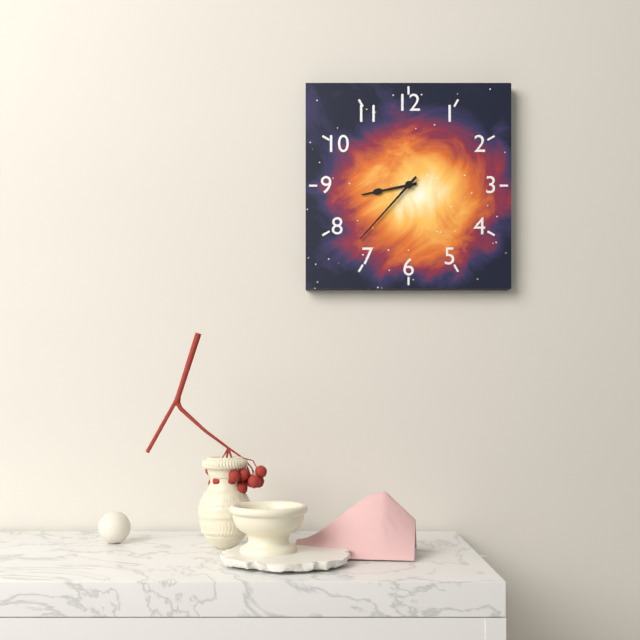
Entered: 8 h 37 min
